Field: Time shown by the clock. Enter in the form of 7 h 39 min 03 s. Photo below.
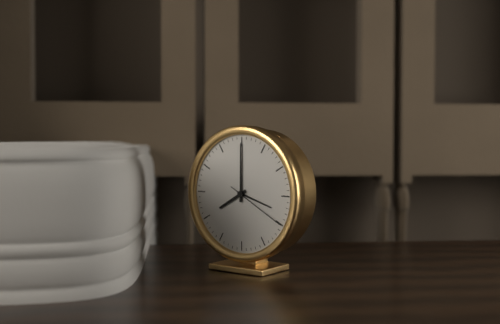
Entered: 8 h 00 min 20 s
